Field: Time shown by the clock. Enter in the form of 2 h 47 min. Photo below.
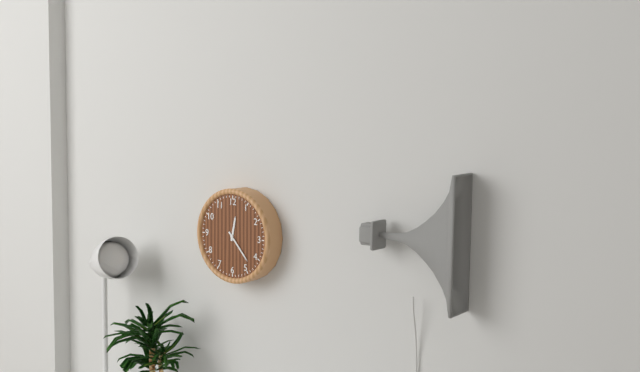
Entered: 12 h 23 min
